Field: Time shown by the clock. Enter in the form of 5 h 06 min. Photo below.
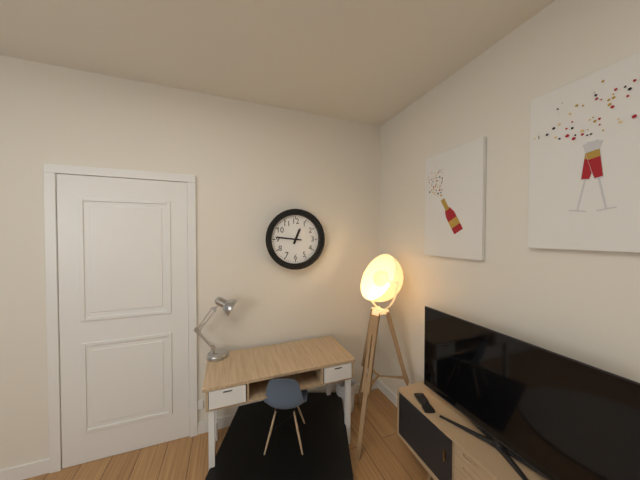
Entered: 12 h 46 min
